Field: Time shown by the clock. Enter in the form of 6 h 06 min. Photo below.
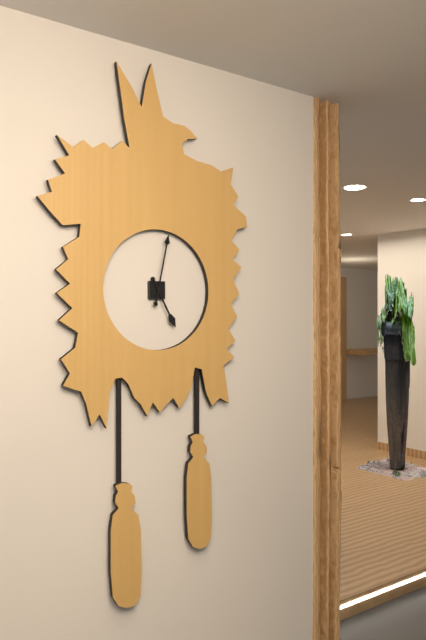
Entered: 5 h 02 min
